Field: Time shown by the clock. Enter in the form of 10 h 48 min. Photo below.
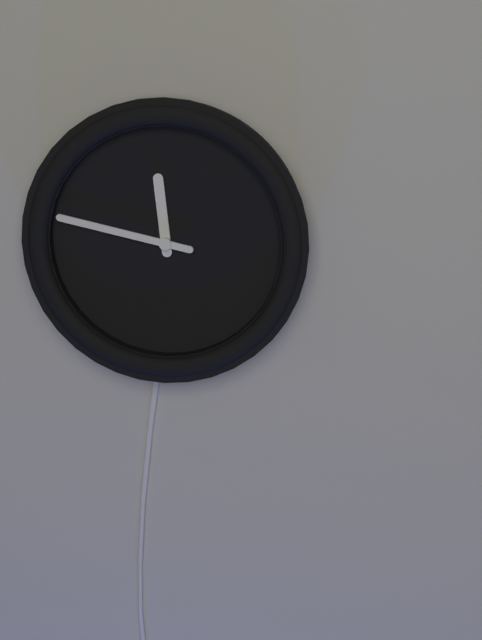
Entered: 11 h 47 min
